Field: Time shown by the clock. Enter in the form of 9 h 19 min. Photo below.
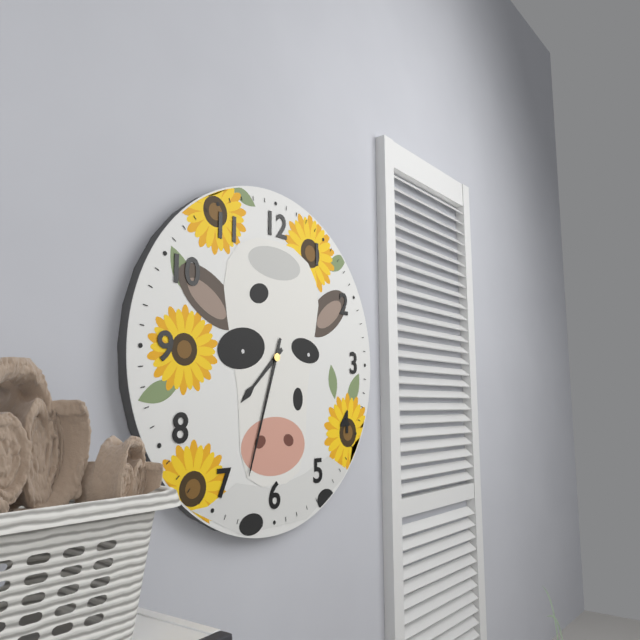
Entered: 7 h 33 min
